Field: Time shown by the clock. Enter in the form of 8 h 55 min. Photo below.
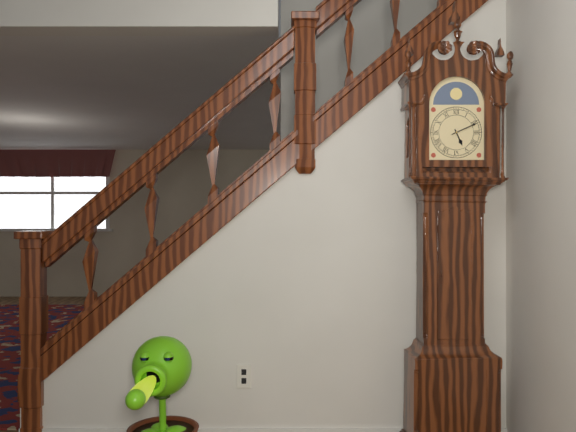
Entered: 5 h 11 min
